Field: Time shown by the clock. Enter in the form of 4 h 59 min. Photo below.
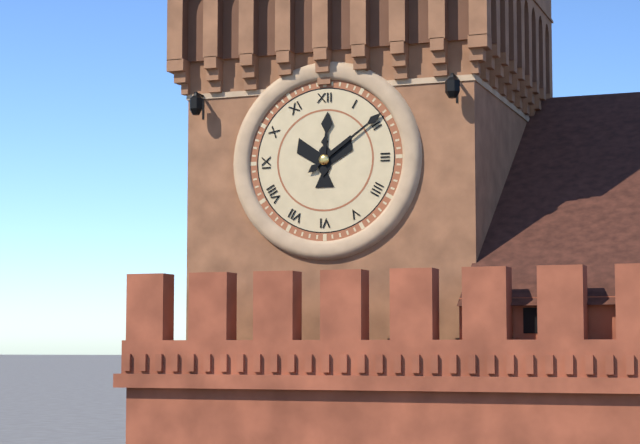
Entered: 12 h 09 min
